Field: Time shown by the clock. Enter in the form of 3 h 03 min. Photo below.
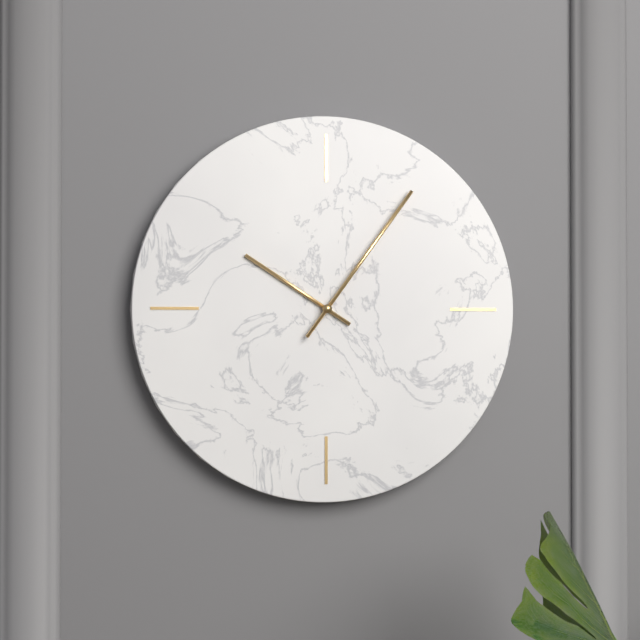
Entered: 10 h 06 min
